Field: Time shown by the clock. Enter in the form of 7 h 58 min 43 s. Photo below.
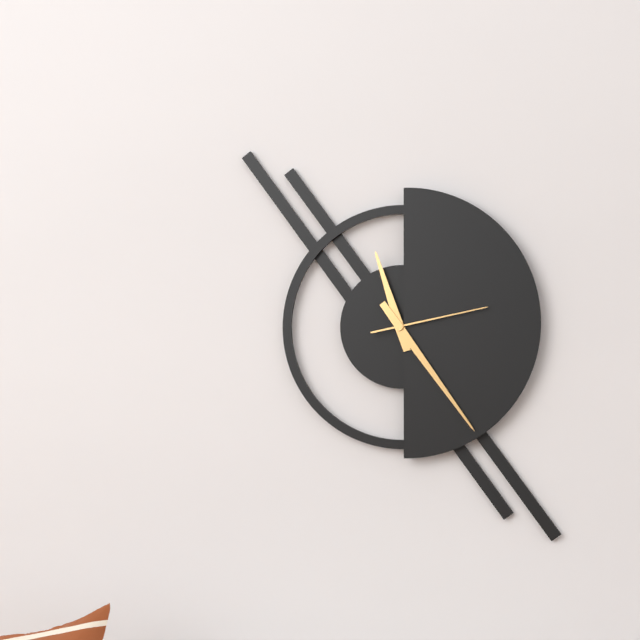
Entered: 11 h 24 min 13 s
